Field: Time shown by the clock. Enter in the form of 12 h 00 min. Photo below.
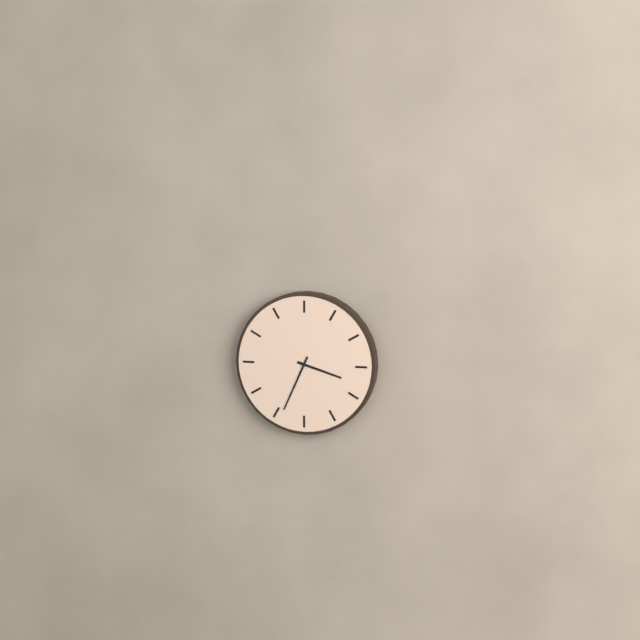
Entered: 3 h 34 min
